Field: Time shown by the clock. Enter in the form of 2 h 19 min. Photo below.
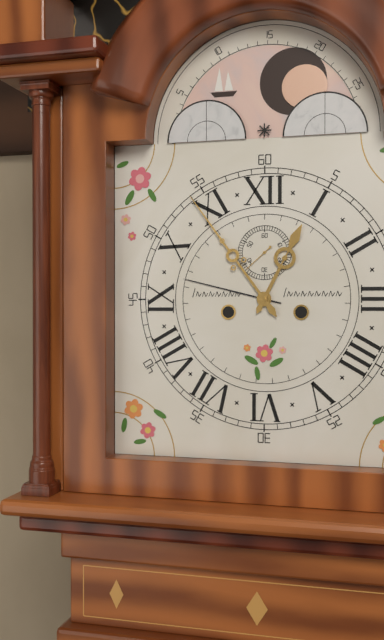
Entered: 12 h 54 min
